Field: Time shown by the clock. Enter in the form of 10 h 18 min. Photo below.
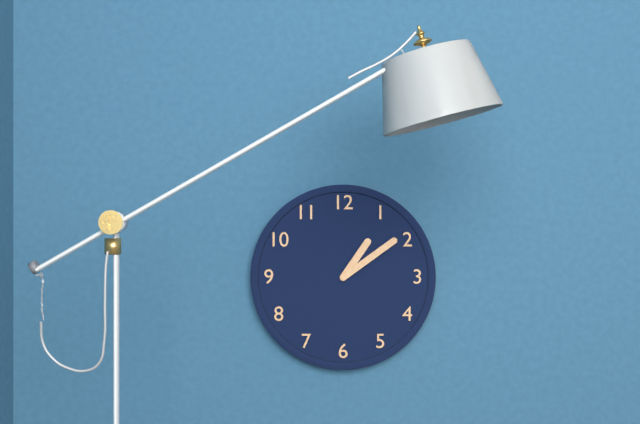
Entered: 1 h 09 min
